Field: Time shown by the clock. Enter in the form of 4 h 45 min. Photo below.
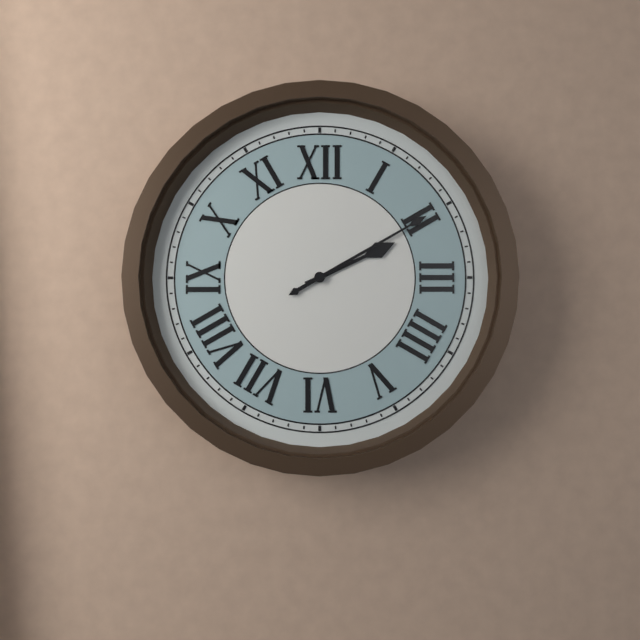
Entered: 2 h 10 min
